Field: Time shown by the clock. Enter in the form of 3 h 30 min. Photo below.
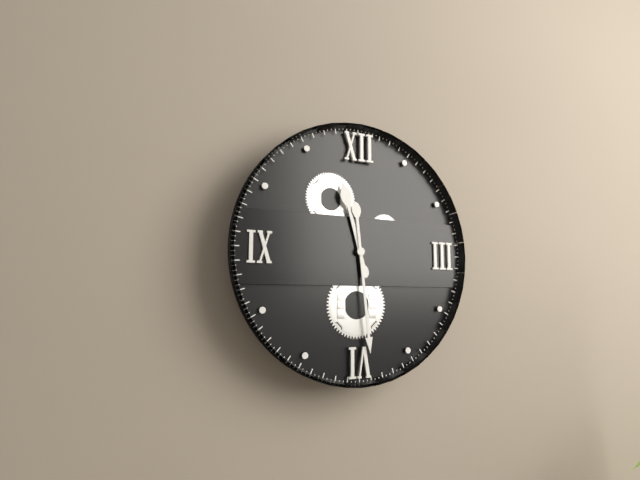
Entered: 11 h 29 min
